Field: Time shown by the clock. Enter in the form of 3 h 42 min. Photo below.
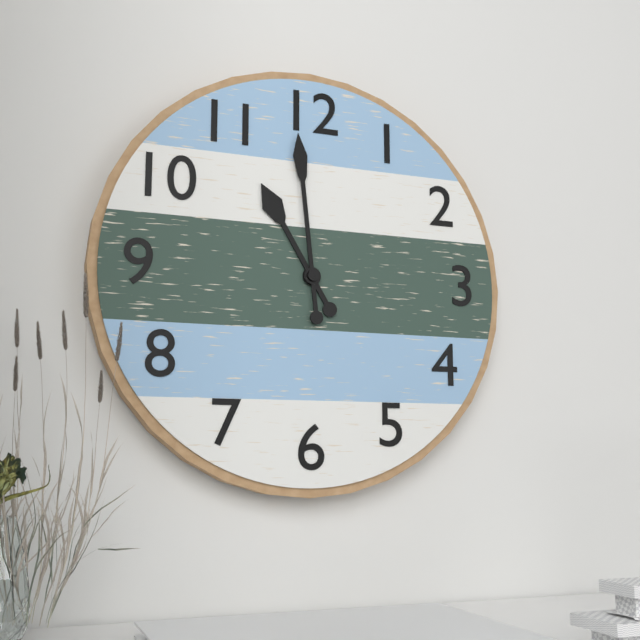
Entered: 10 h 59 min
